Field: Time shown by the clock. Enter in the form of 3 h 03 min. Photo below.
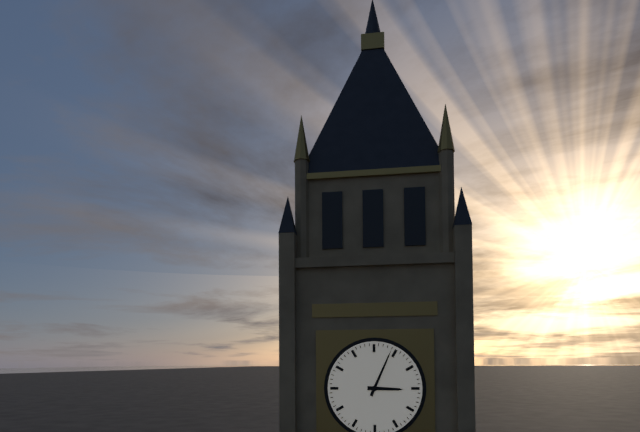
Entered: 3 h 04 min
